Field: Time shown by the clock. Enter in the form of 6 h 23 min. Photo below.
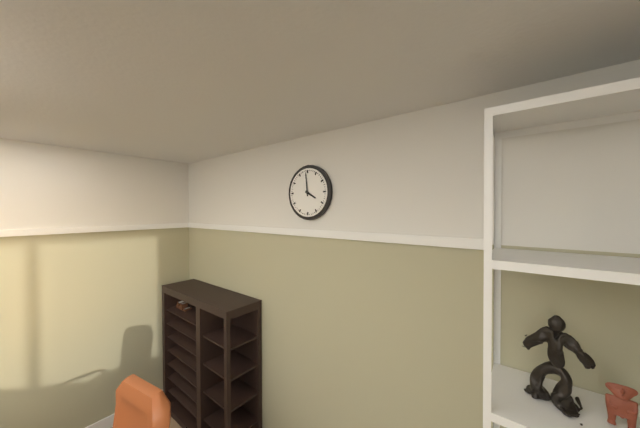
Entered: 3 h 59 min
